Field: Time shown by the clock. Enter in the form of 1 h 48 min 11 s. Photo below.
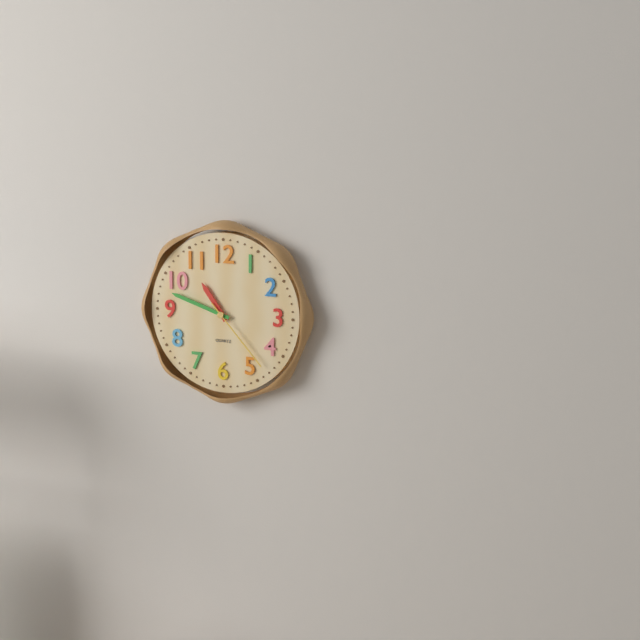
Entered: 10 h 48 min 23 s
